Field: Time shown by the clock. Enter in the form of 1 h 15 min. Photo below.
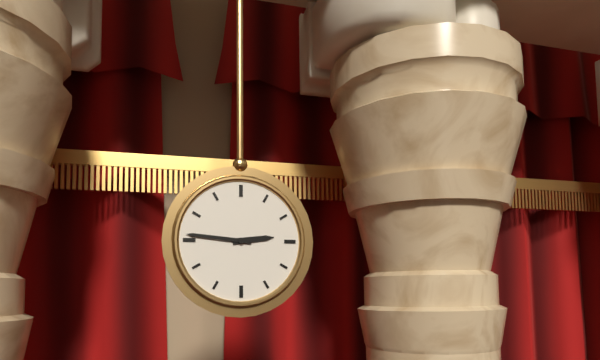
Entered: 2 h 46 min
